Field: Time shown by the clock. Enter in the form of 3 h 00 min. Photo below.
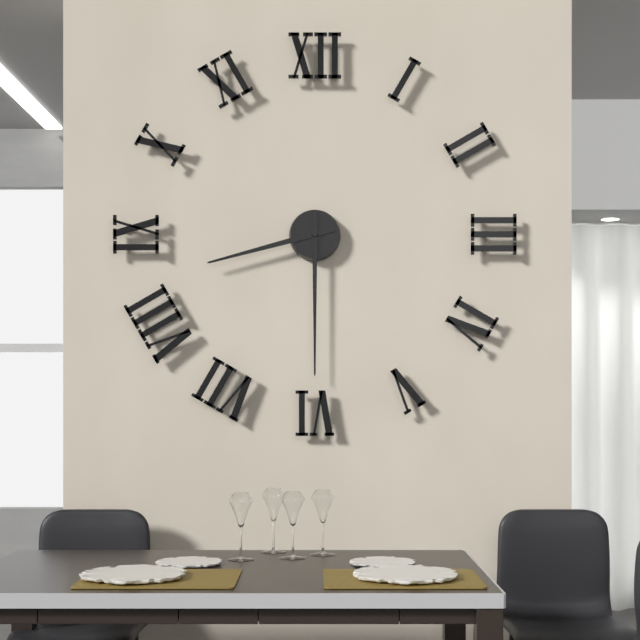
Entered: 8 h 30 min
